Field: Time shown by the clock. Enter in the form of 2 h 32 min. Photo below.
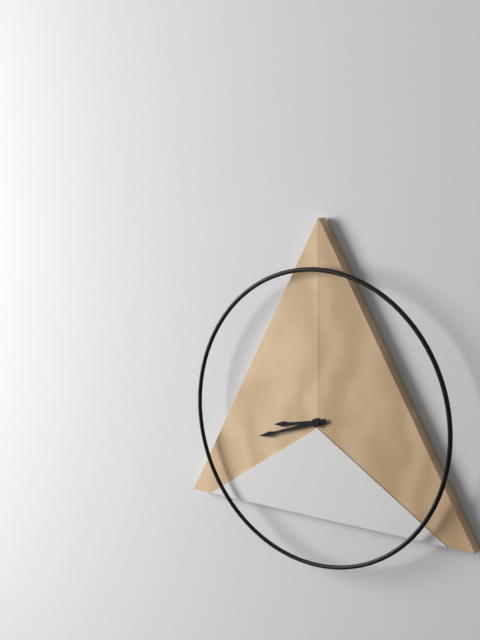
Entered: 8 h 42 min
